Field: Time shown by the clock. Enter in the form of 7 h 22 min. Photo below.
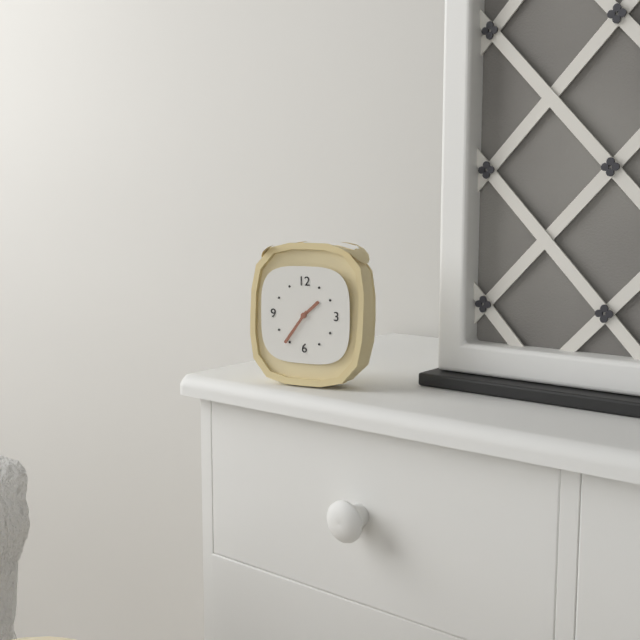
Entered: 1 h 36 min
